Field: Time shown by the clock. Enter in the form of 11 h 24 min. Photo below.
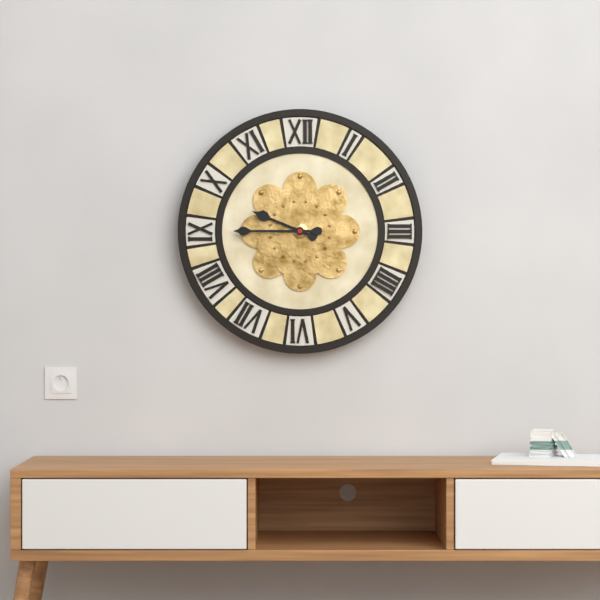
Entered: 9 h 45 min
